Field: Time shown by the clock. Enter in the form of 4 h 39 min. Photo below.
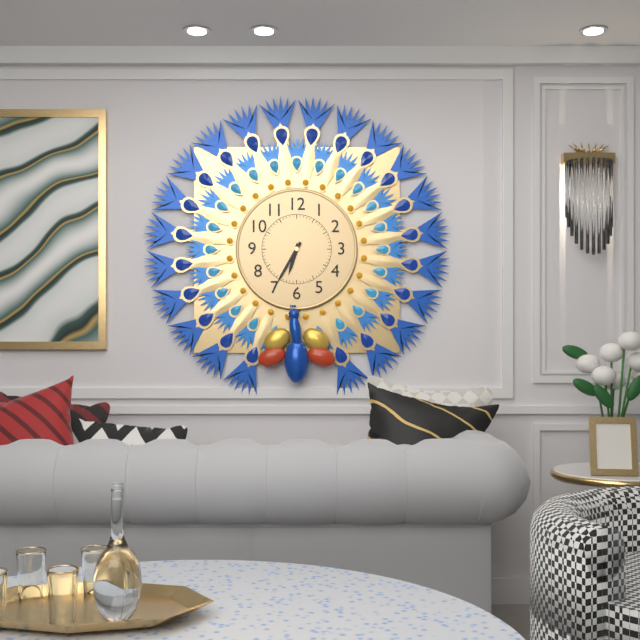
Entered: 6 h 35 min
